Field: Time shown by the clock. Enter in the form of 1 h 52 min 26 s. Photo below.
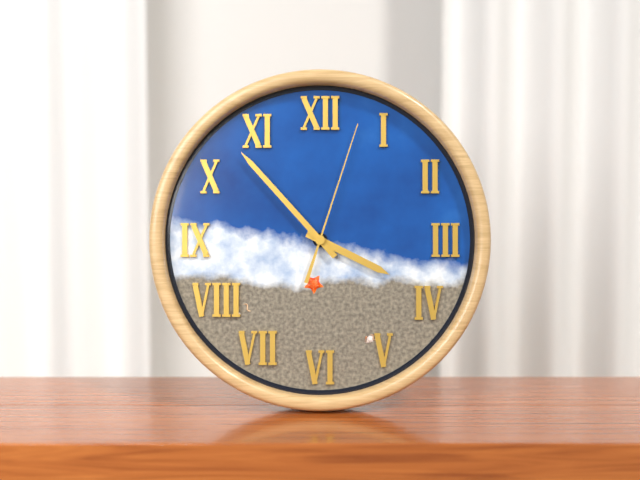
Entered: 3 h 53 min 03 s
